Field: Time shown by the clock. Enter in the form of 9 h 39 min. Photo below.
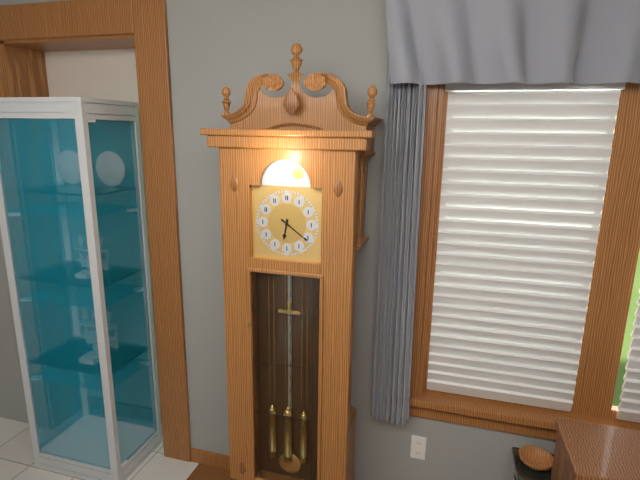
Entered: 6 h 21 min
